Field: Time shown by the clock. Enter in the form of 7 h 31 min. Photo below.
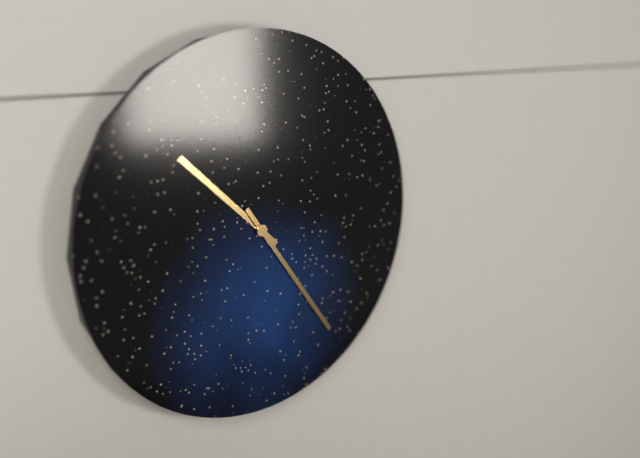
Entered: 10 h 24 min
